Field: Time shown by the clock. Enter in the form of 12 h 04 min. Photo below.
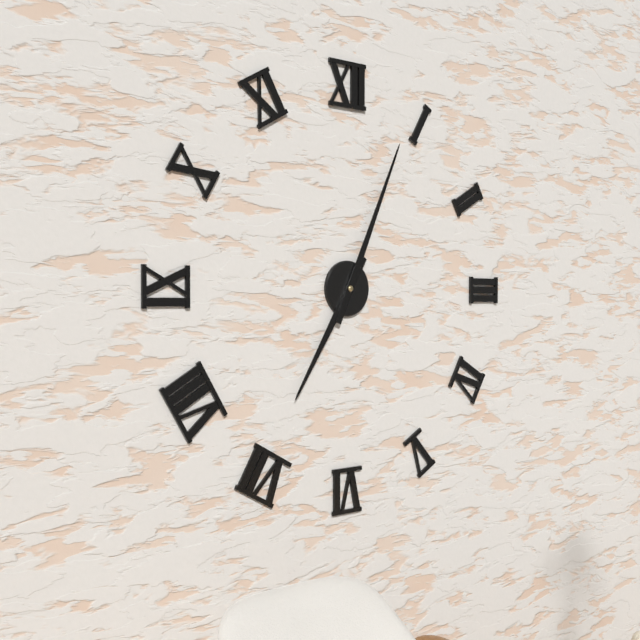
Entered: 7 h 04 min
